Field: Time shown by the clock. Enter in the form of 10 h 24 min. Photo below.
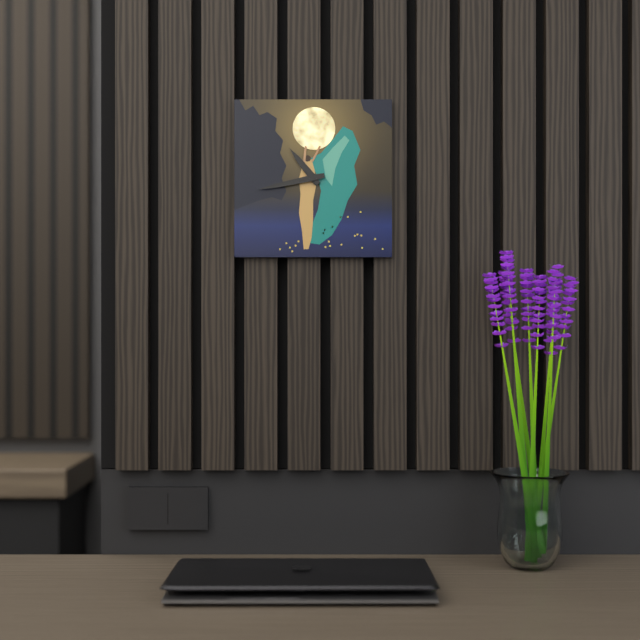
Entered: 10 h 43 min
